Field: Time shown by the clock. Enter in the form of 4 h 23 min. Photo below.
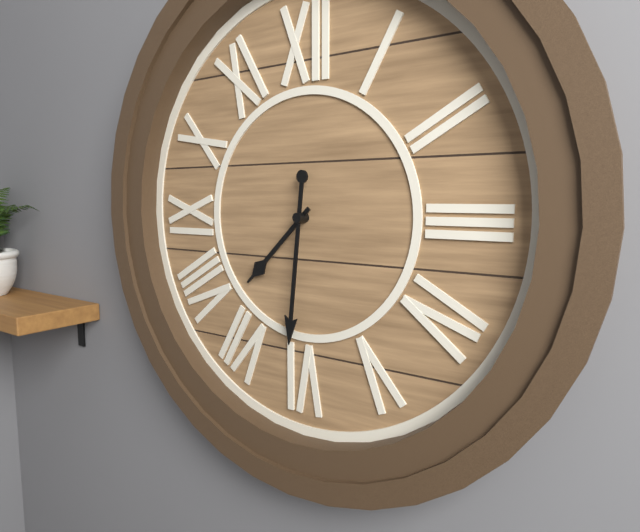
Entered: 7 h 31 min
